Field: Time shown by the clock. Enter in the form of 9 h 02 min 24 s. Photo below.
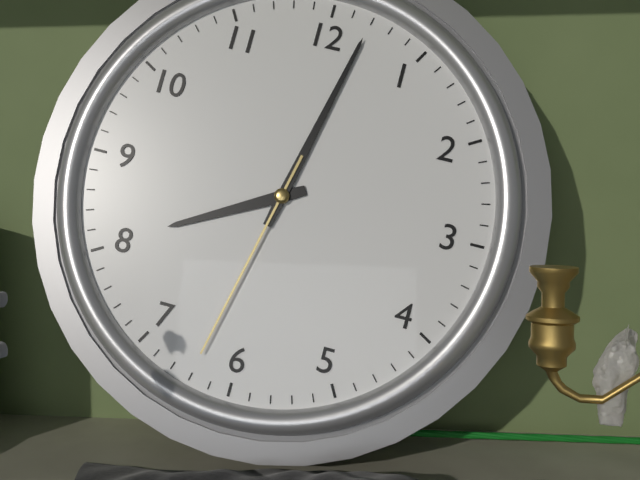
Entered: 8 h 02 min 32 s
